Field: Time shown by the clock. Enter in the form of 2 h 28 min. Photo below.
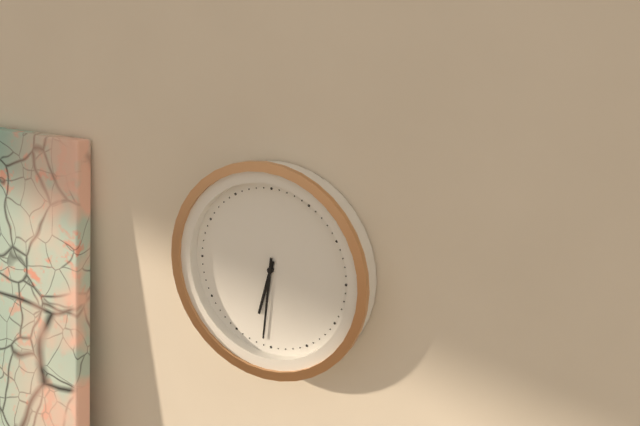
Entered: 6 h 31 min
